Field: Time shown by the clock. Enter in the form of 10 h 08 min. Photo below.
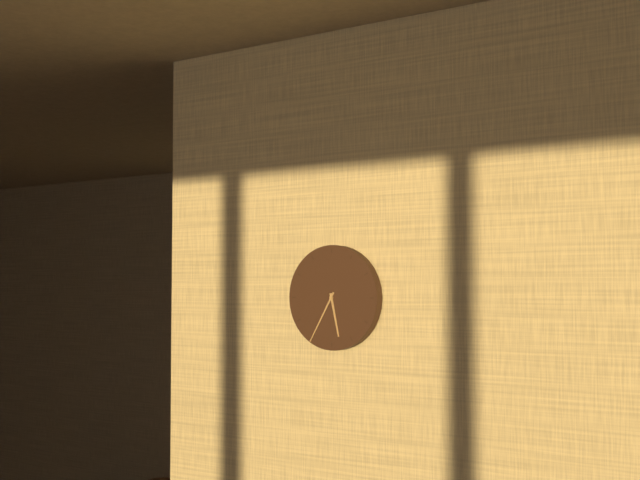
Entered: 5 h 35 min
